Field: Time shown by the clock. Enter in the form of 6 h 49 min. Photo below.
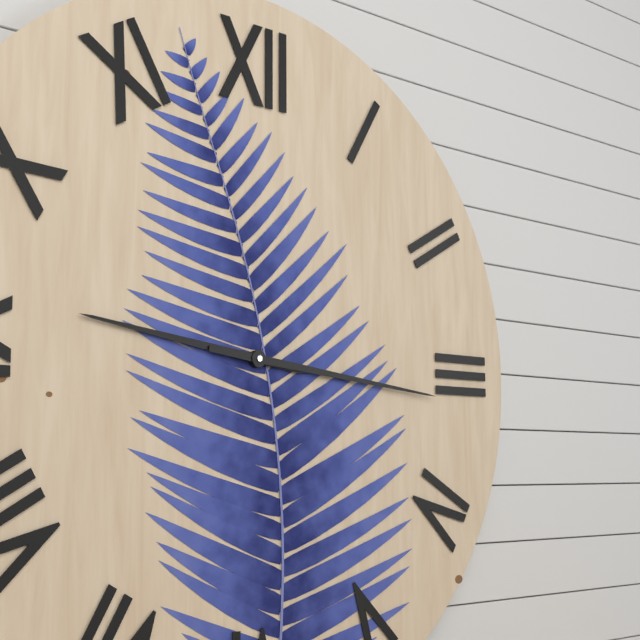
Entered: 9 h 16 min
